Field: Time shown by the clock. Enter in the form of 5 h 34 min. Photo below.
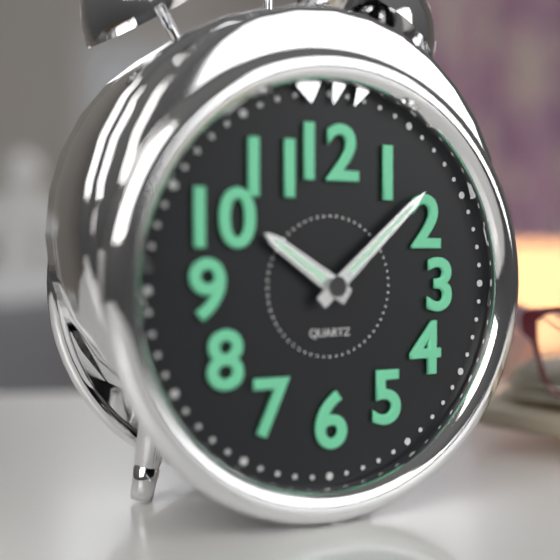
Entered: 10 h 08 min
